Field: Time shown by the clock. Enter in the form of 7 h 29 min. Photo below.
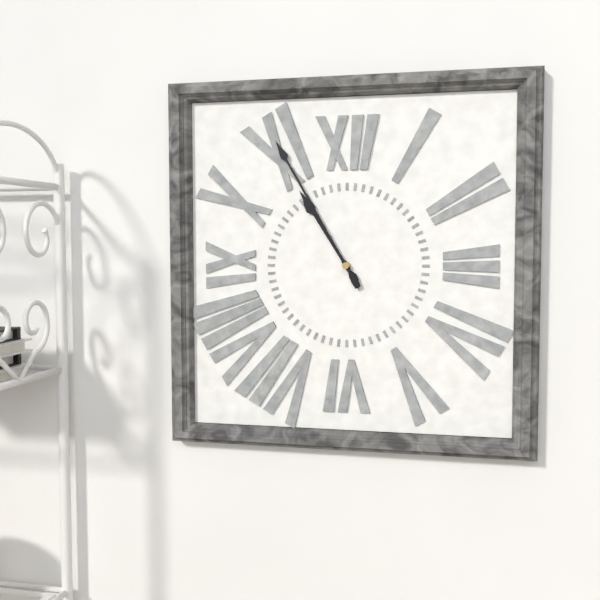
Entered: 10 h 55 min
